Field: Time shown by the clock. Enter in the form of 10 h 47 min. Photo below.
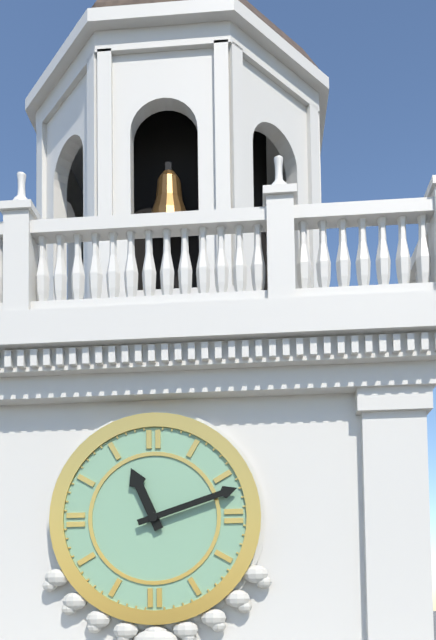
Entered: 11 h 12 min
